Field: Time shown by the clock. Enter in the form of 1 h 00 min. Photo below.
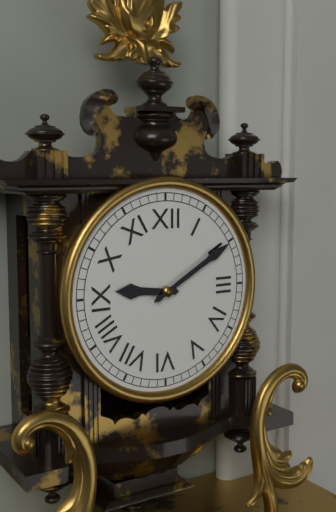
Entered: 9 h 10 min
